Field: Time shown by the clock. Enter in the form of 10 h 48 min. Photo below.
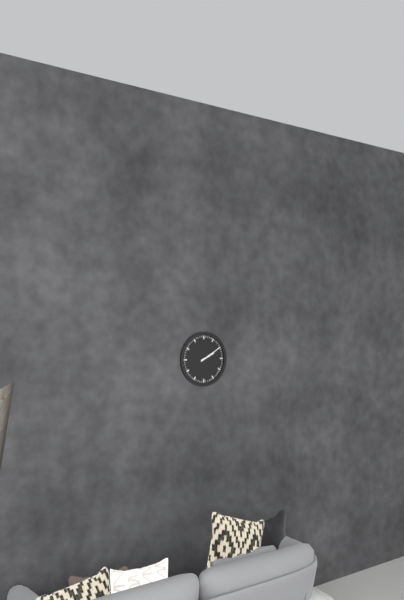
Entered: 2 h 10 min
